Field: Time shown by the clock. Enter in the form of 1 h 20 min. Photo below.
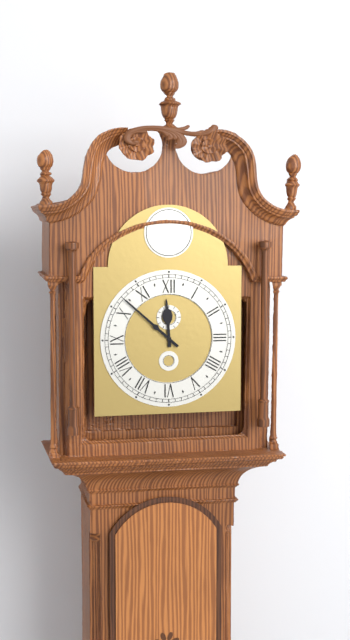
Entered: 11 h 52 min
